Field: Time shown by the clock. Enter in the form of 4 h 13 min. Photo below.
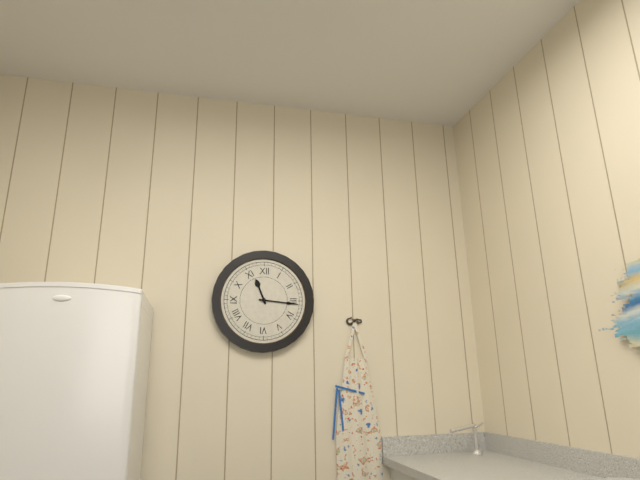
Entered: 11 h 16 min
